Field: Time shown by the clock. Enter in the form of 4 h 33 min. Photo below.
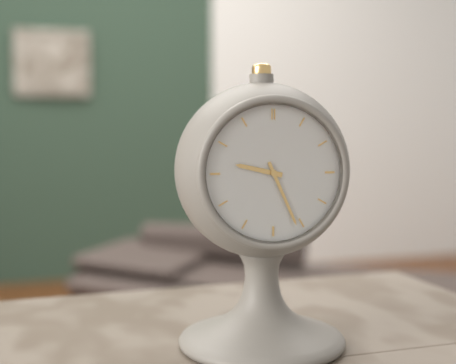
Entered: 9 h 26 min
